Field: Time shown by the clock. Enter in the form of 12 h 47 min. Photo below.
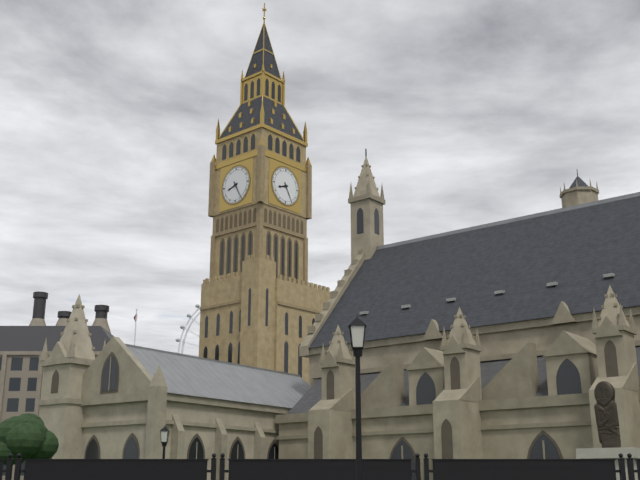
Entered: 8 h 25 min
